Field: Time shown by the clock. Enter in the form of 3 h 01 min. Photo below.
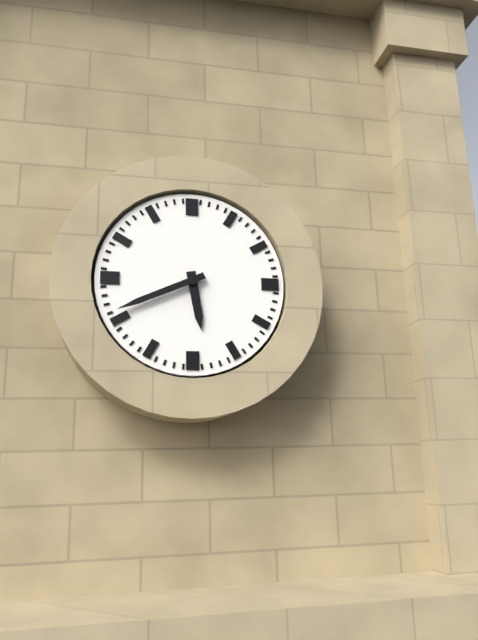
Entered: 5 h 41 min
